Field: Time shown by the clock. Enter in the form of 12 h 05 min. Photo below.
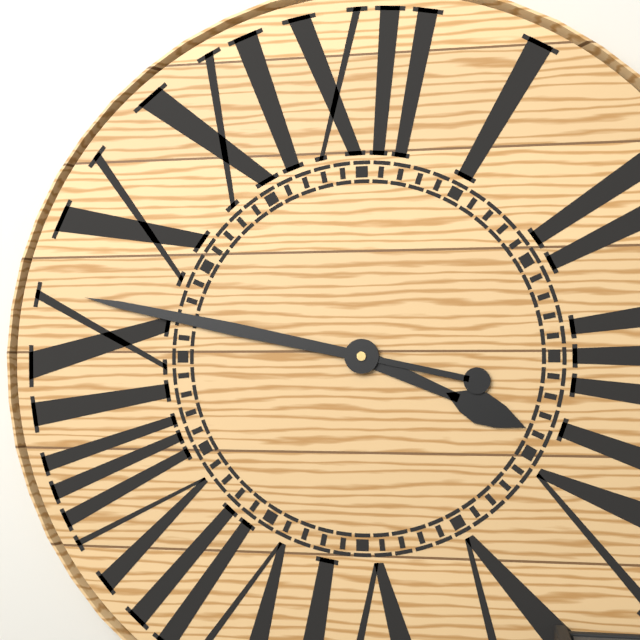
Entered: 3 h 47 min
